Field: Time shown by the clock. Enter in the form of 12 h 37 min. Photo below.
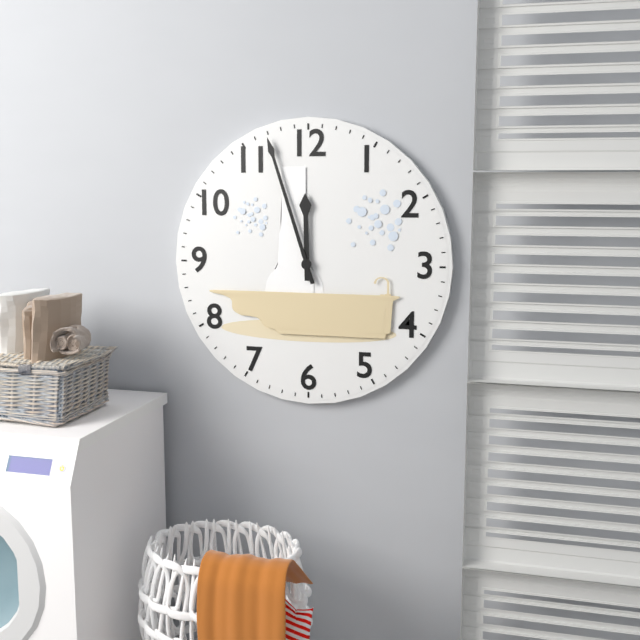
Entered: 11 h 57 min
